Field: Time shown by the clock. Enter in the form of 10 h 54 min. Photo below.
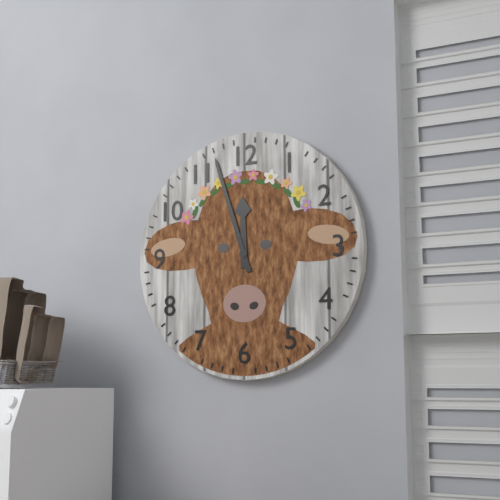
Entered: 11 h 57 min
